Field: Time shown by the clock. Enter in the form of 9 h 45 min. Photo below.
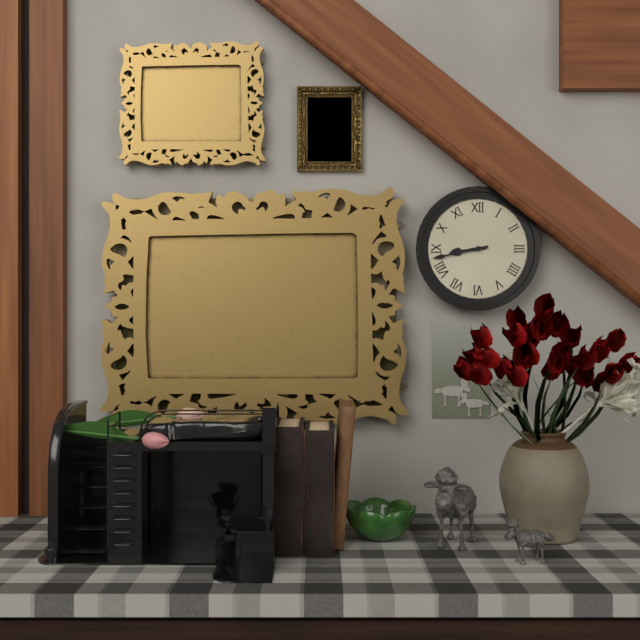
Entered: 8 h 43 min
